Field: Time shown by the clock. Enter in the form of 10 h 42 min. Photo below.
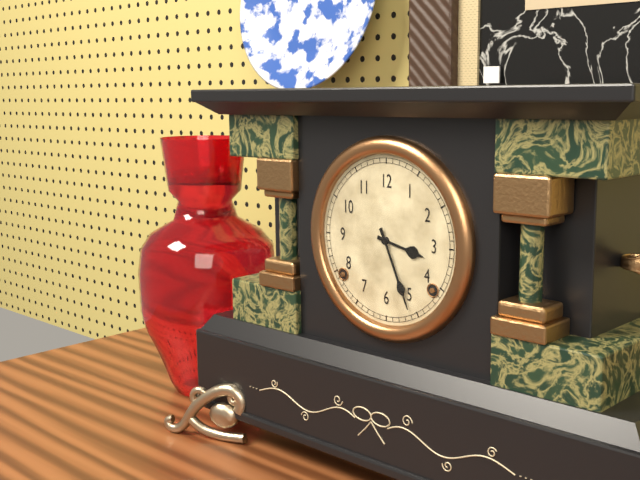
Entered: 3 h 26 min
